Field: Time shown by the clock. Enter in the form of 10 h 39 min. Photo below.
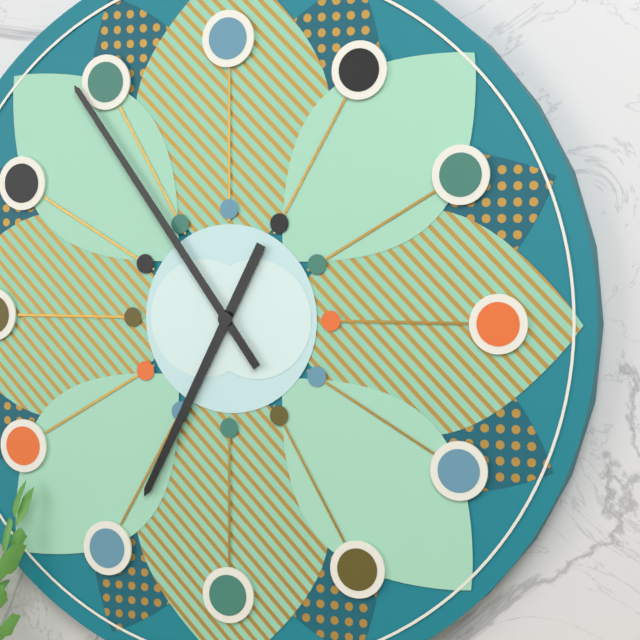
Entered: 6 h 54 min
